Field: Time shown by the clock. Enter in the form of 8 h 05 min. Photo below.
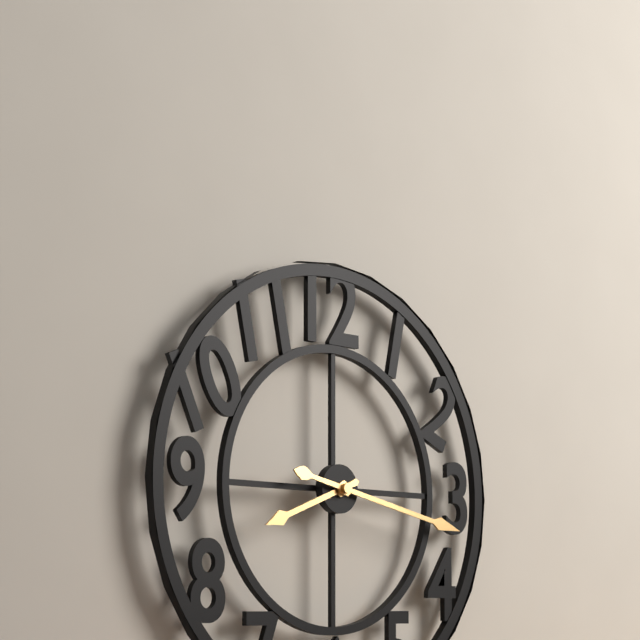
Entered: 8 h 17 min
